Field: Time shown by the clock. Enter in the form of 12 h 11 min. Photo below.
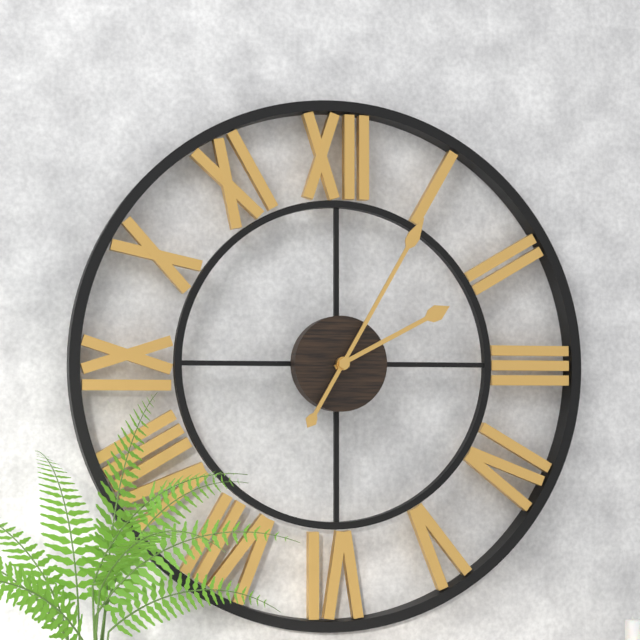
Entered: 2 h 05 min
